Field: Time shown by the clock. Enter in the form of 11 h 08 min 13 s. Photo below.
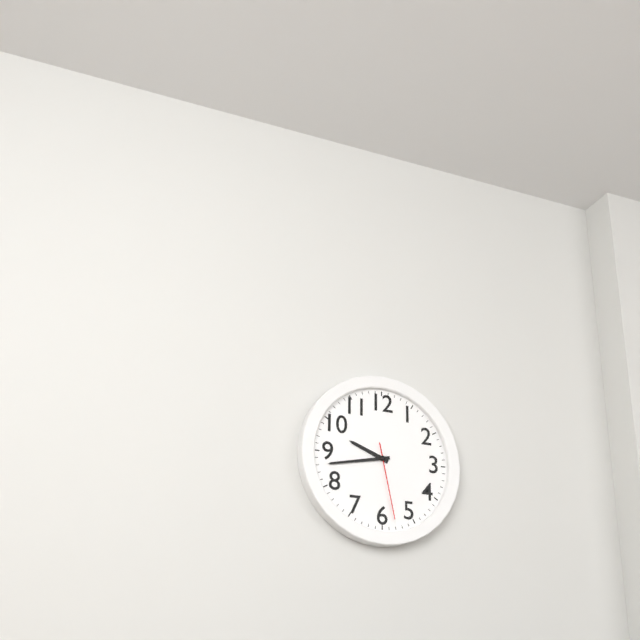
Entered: 9 h 43 min 28 s
